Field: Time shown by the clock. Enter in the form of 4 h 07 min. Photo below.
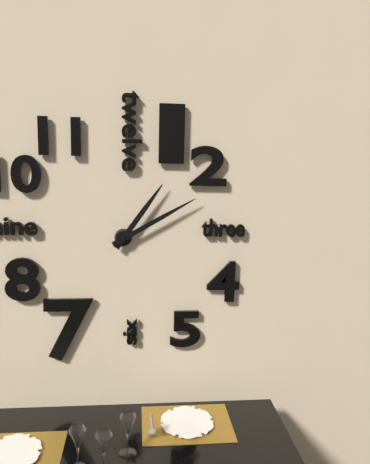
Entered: 1 h 10 min
